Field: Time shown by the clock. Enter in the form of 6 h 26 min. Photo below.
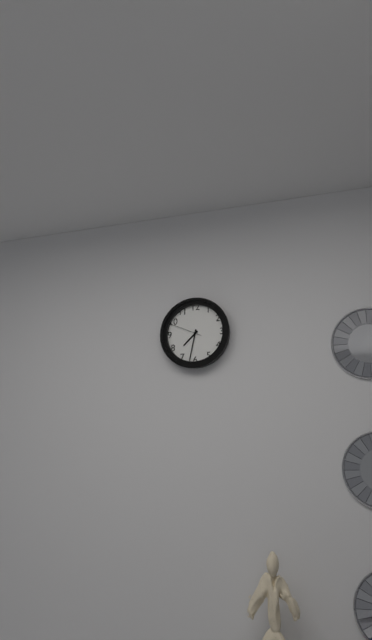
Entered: 7 h 32 min
